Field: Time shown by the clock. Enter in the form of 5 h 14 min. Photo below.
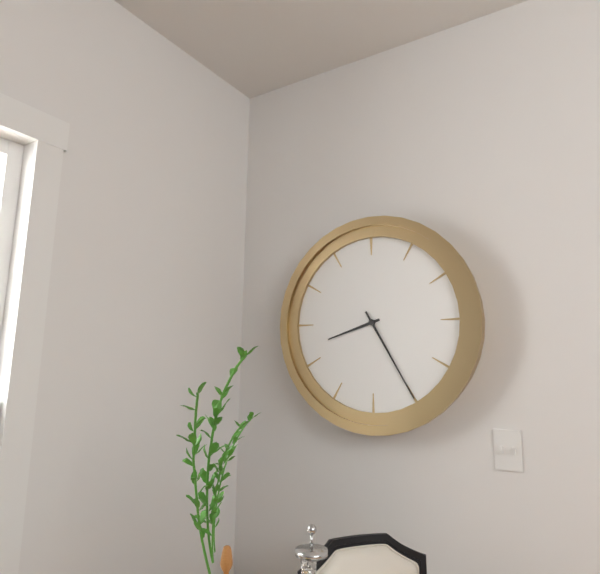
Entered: 8 h 25 min
